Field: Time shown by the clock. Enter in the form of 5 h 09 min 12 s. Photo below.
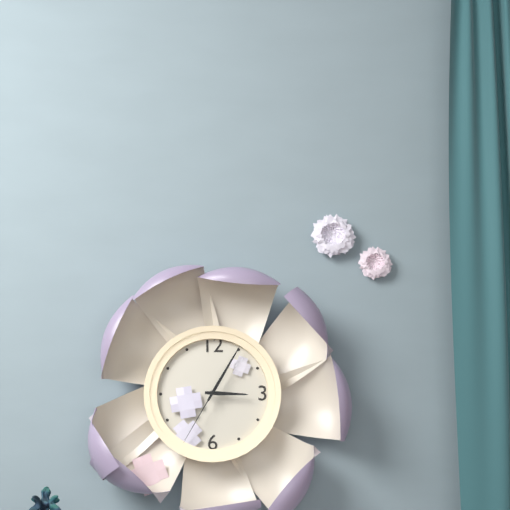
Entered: 3 h 05 min 35 s
